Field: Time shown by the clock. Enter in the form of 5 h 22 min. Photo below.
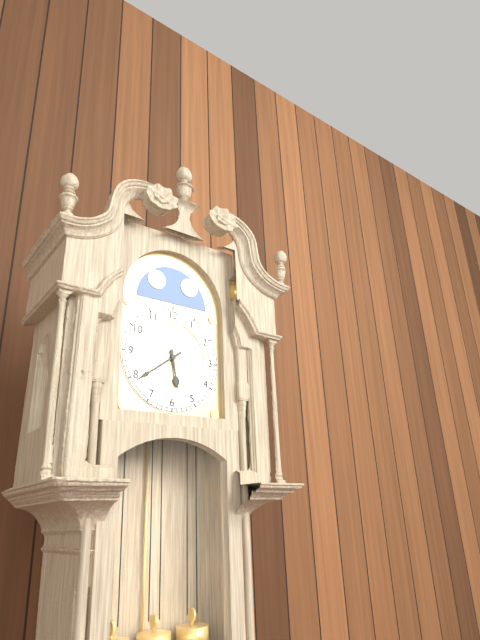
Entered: 5 h 39 min
